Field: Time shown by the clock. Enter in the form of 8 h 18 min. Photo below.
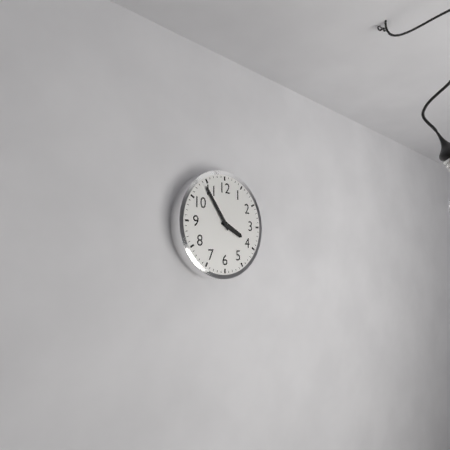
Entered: 3 h 54 min
